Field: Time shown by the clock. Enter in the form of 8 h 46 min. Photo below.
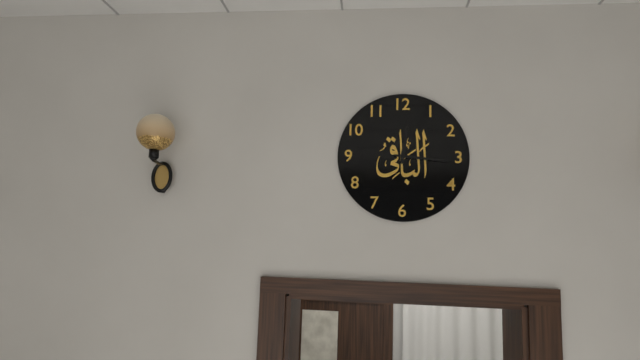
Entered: 12 h 16 min
